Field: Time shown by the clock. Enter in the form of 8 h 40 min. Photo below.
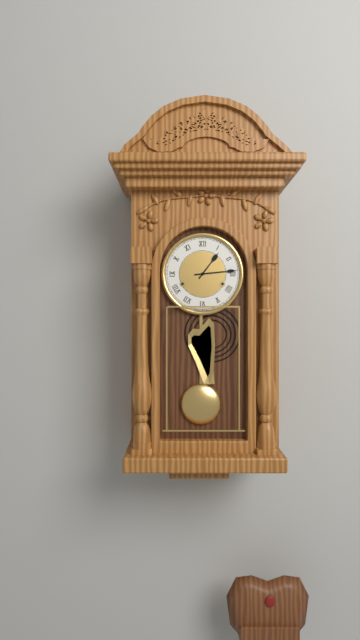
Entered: 1 h 14 min
